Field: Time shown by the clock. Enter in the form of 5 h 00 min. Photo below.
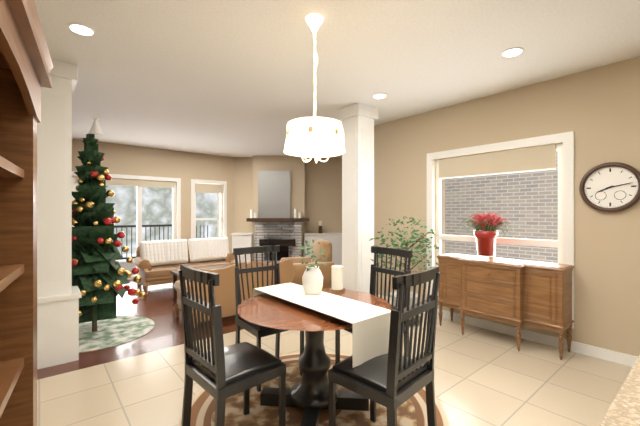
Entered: 8 h 13 min
